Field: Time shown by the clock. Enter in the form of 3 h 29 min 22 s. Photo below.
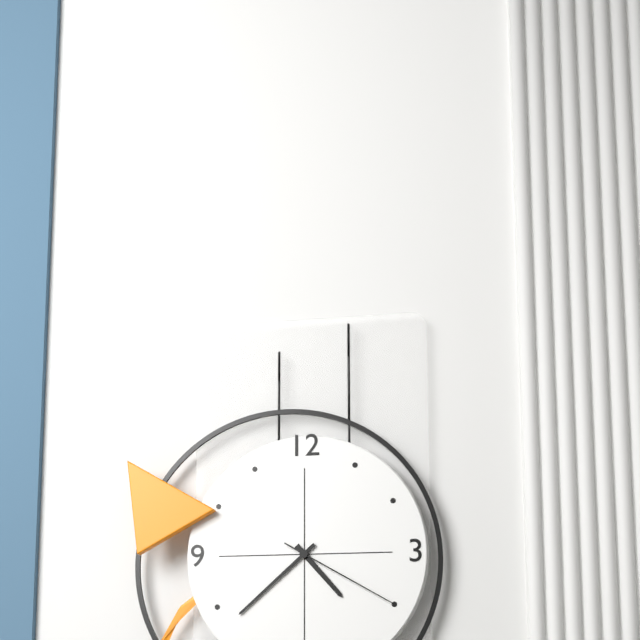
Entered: 4 h 38 min 20 s
